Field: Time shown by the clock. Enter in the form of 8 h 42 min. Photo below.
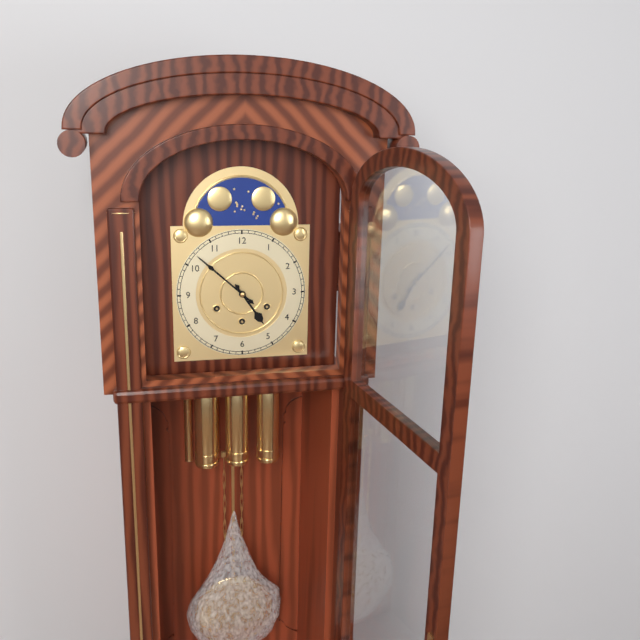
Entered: 4 h 52 min
